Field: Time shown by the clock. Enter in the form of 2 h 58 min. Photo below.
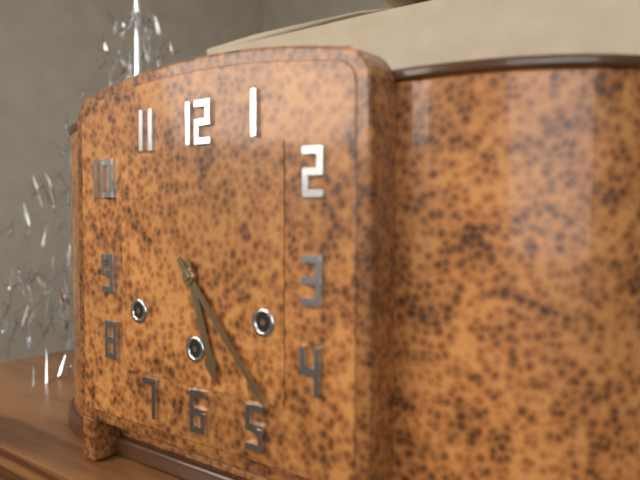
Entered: 5 h 23 min
